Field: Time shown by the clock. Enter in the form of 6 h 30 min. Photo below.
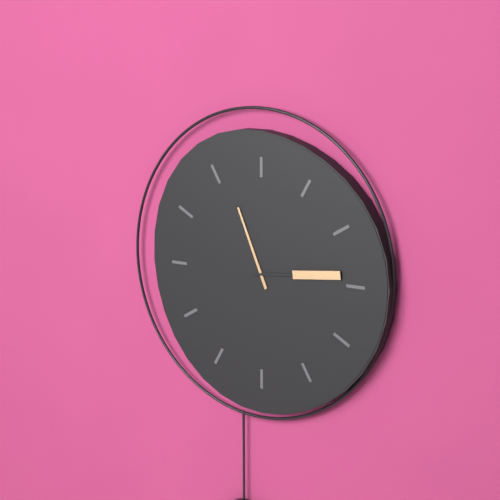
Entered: 11 h 14 min
